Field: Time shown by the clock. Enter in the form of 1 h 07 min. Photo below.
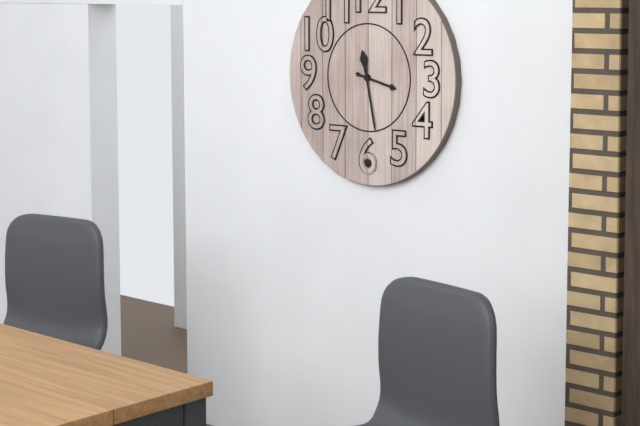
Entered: 3 h 28 min
